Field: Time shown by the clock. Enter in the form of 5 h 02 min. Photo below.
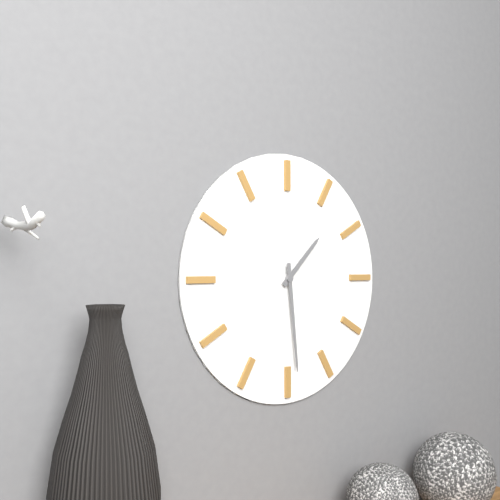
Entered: 1 h 29 min
